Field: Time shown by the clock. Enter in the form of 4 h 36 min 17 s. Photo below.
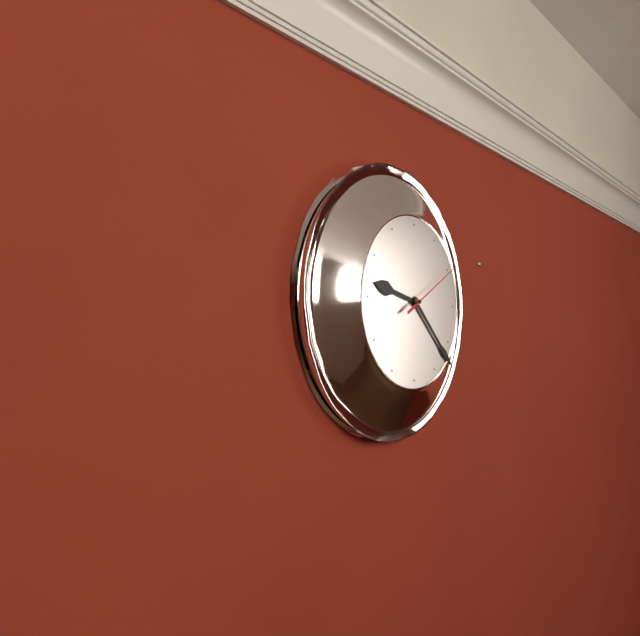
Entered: 9 h 22 min 10 s
